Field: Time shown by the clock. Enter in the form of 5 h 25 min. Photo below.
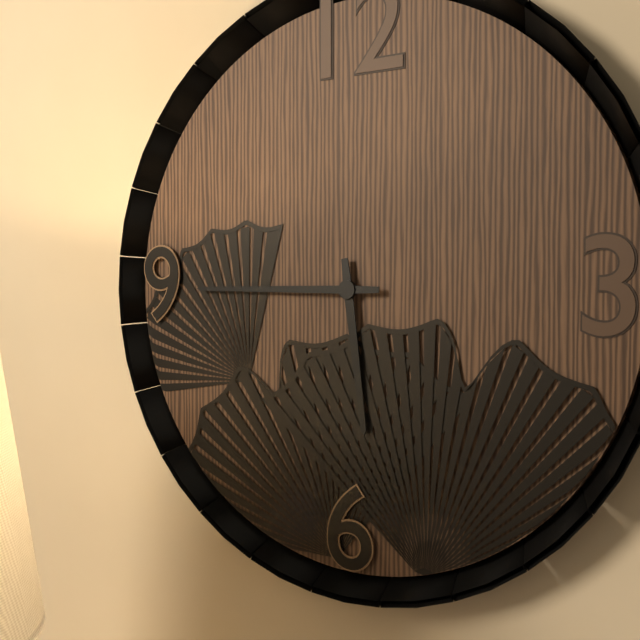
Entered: 5 h 45 min
